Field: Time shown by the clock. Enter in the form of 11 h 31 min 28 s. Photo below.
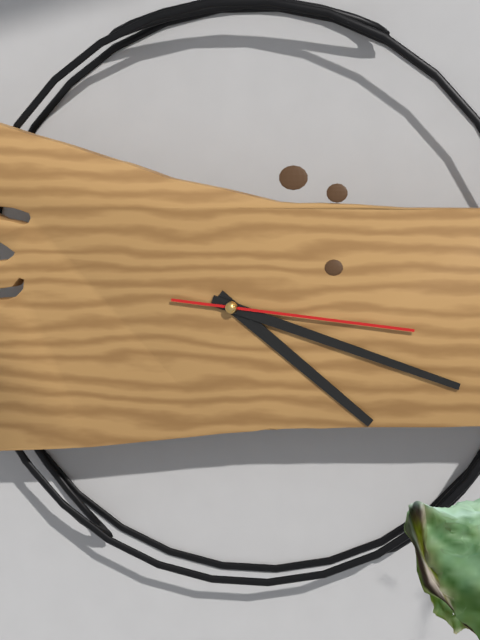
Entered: 4 h 18 min 16 s
